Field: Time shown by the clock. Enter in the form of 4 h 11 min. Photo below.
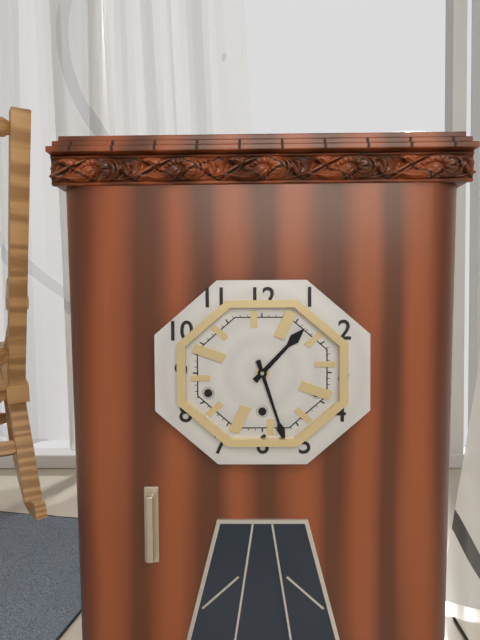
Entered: 1 h 27 min
